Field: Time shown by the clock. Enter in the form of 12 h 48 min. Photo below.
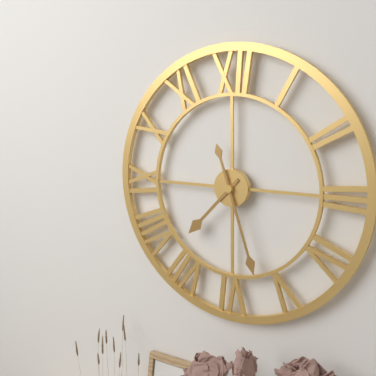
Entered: 7 h 27 min
